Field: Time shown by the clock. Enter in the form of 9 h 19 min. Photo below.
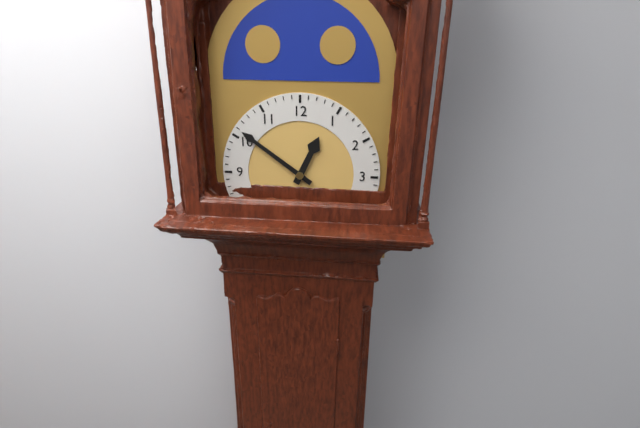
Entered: 12 h 51 min
